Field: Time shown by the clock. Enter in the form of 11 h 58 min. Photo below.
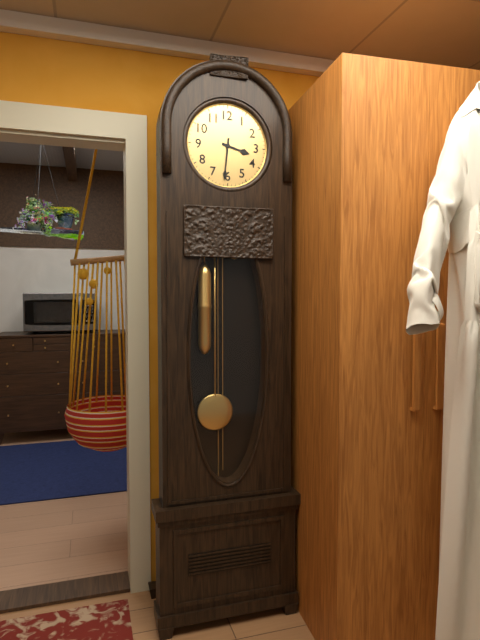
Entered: 3 h 31 min
